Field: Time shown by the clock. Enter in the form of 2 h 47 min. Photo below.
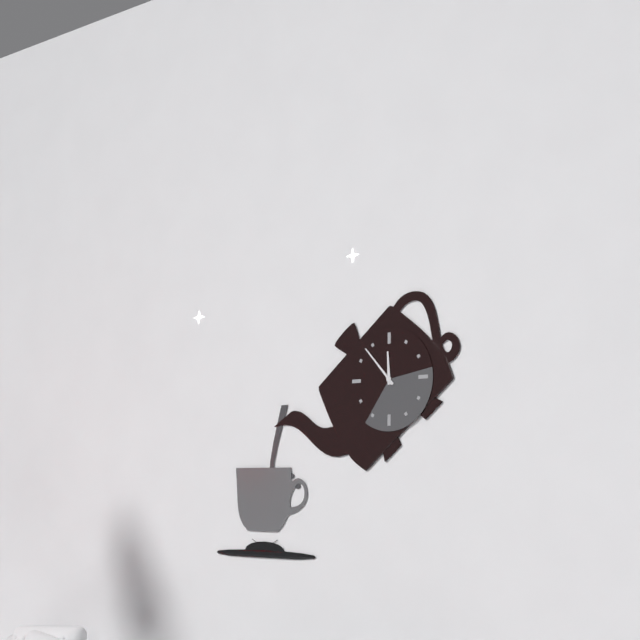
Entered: 11 h 53 min
